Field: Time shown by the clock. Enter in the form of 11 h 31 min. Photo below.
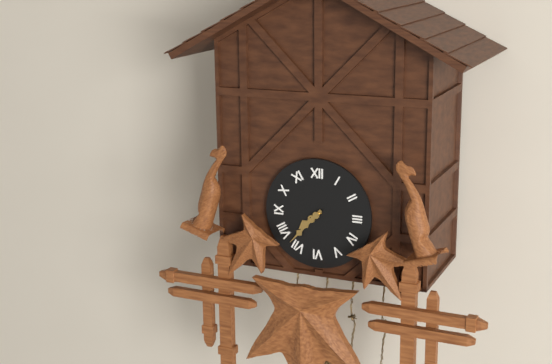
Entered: 7 h 37 min
